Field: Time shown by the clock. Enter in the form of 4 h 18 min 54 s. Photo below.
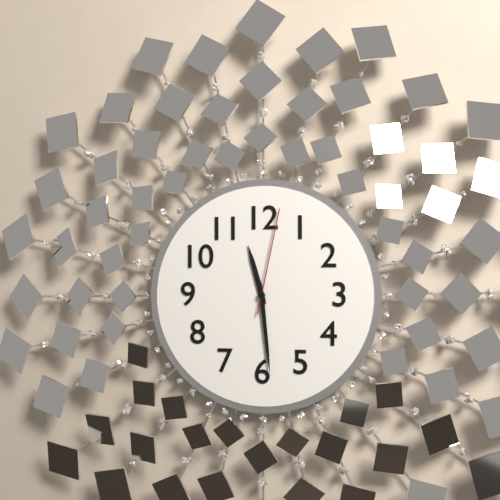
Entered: 11 h 29 min 02 s
